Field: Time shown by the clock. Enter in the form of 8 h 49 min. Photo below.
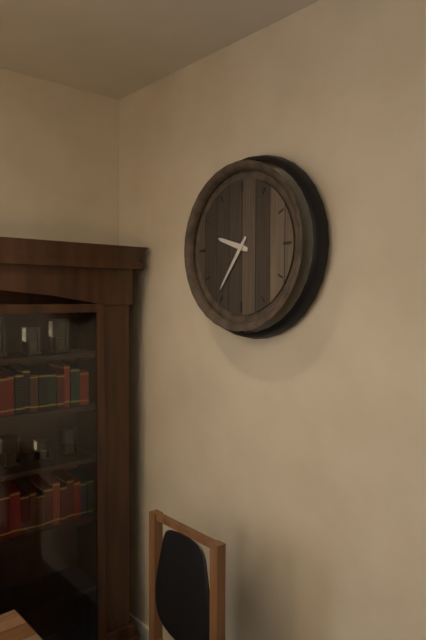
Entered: 9 h 36 min
